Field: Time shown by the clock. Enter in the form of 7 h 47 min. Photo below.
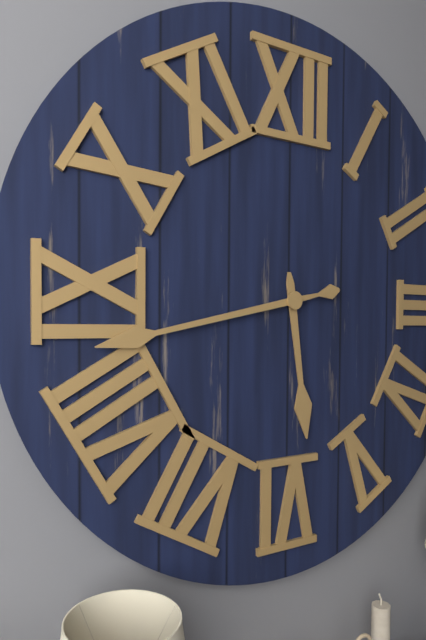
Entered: 5 h 43 min
